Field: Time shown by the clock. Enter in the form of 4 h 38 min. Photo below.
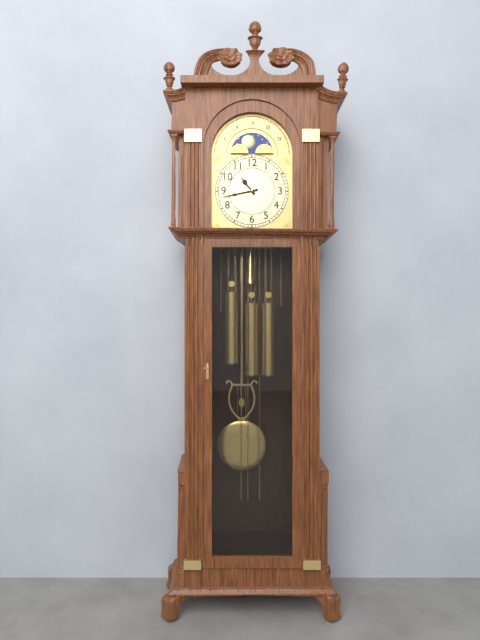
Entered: 10 h 43 min
